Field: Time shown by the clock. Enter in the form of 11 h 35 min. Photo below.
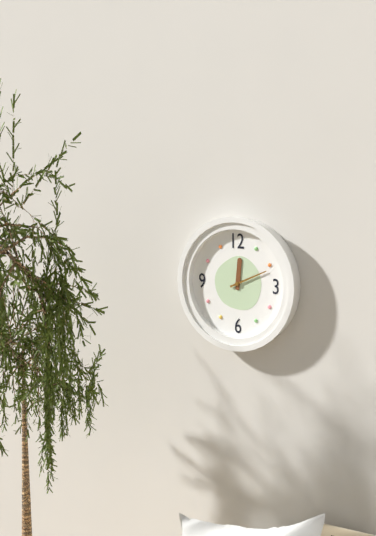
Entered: 12 h 11 min
